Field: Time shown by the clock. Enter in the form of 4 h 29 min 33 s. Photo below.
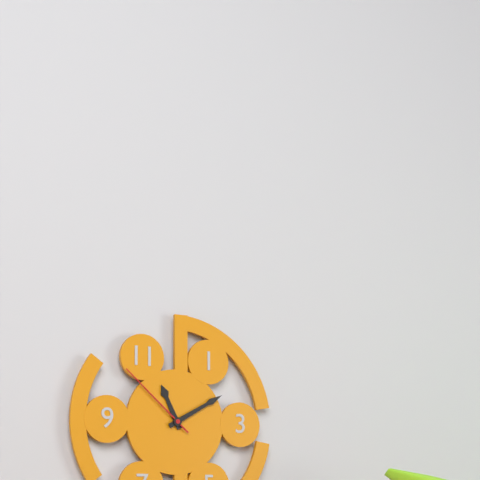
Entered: 11 h 10 min 52 s
